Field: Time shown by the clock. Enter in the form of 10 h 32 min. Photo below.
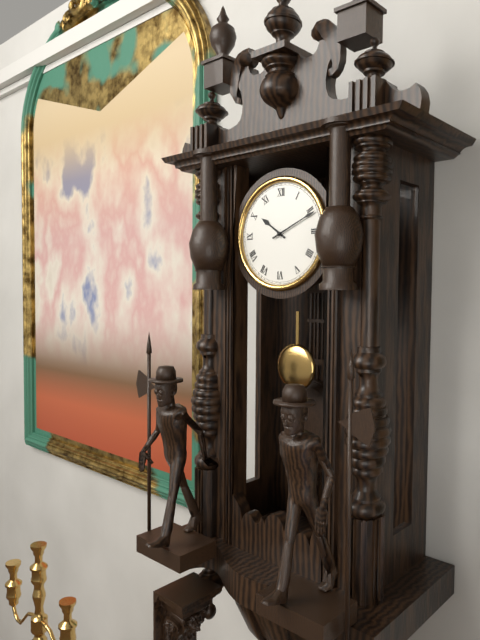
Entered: 10 h 11 min
